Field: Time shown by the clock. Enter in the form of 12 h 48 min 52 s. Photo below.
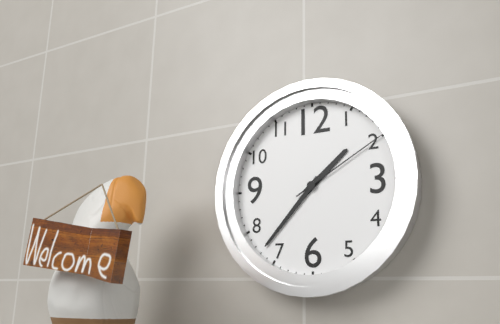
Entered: 1 h 37 min 10 s
